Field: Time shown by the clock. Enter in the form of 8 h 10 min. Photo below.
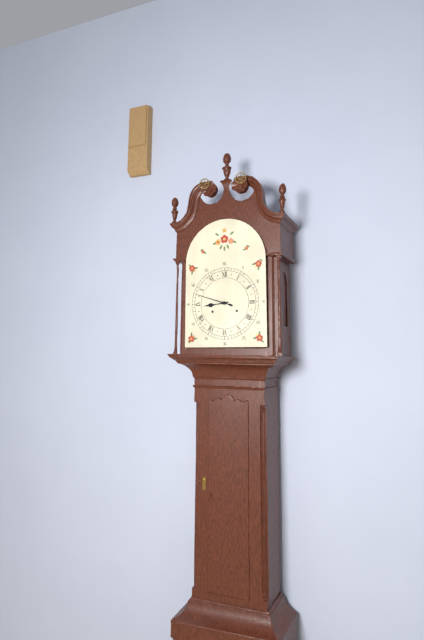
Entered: 8 h 48 min
